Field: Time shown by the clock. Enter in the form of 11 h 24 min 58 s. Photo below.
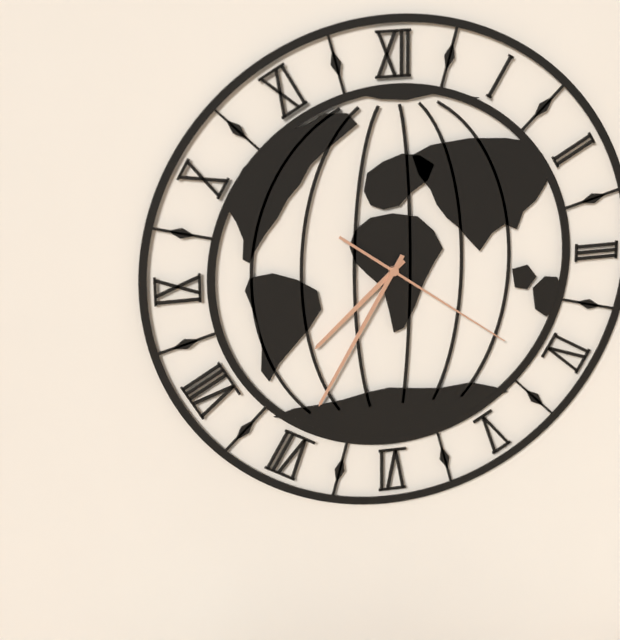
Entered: 7 h 35 min 21 s
